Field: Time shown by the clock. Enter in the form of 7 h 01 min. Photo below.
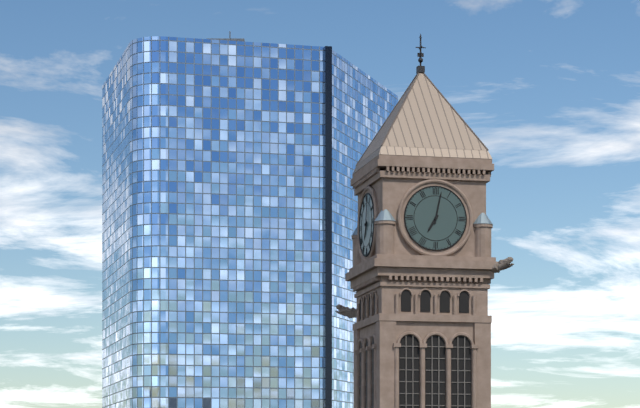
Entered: 7 h 02 min
